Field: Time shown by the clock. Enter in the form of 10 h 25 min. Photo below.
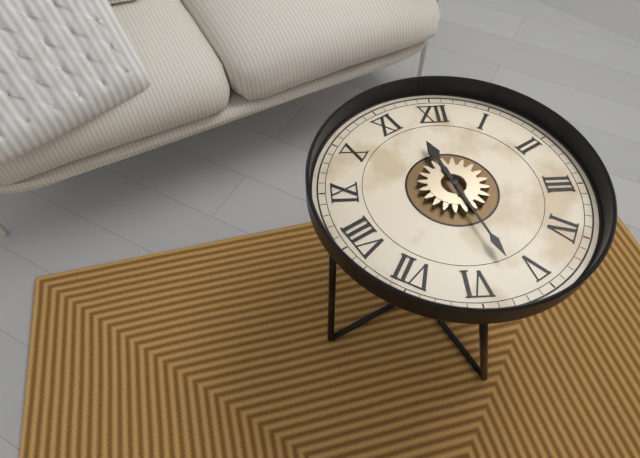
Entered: 11 h 27 min
